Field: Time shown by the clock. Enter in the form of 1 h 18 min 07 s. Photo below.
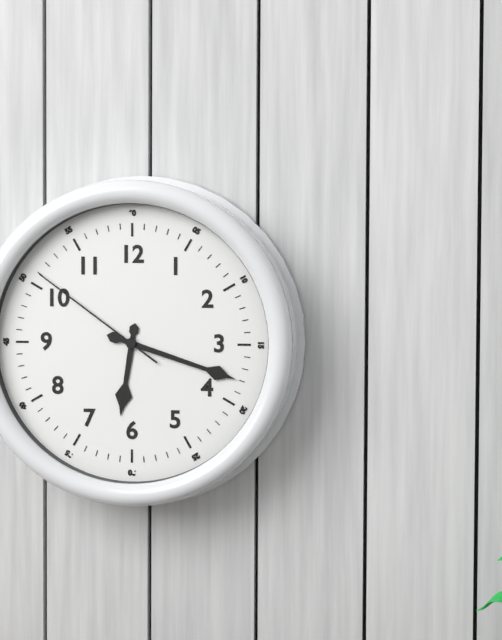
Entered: 6 h 18 min 51 s
